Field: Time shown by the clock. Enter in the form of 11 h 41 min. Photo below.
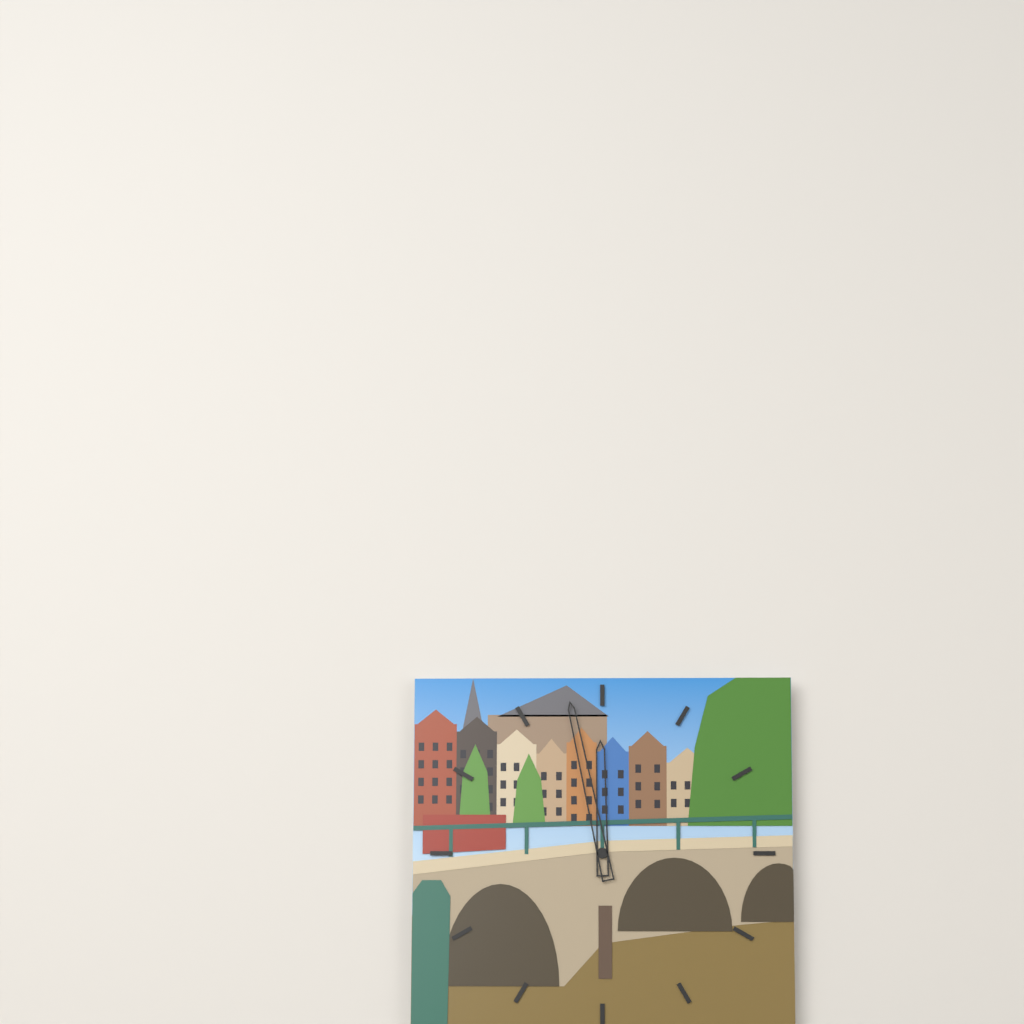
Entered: 11 h 58 min
